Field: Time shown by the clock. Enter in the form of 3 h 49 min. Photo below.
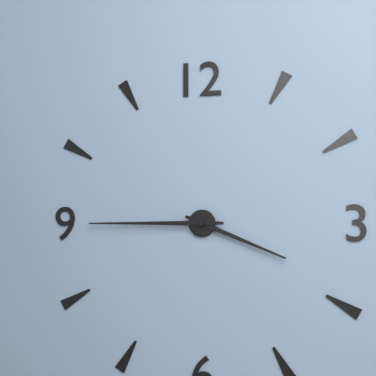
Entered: 3 h 45 min
